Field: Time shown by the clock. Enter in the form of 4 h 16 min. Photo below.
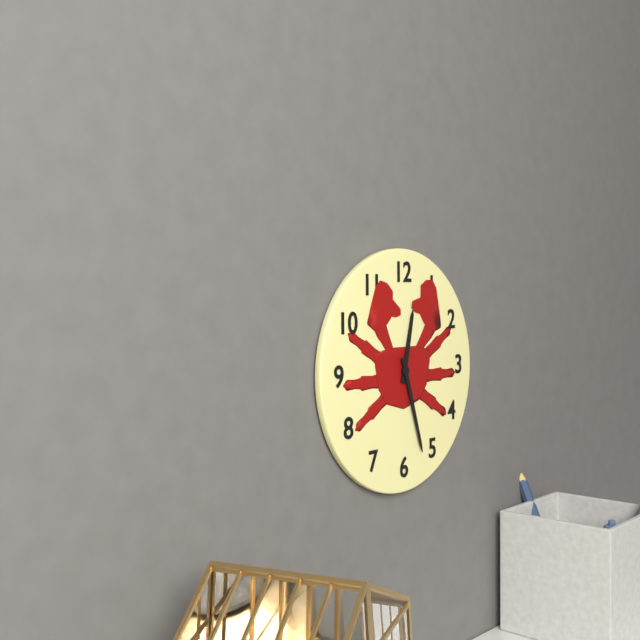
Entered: 12 h 27 min
